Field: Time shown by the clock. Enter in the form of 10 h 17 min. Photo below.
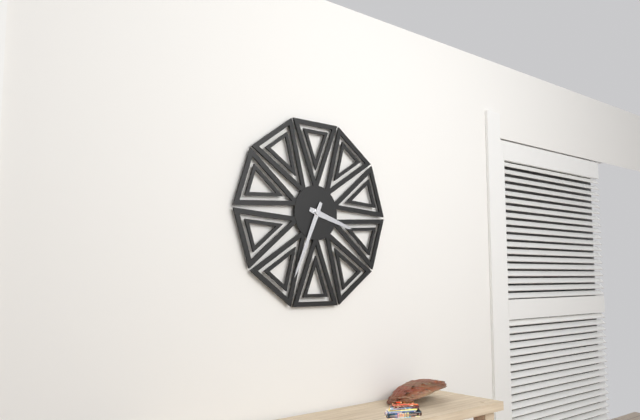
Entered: 3 h 34 min
